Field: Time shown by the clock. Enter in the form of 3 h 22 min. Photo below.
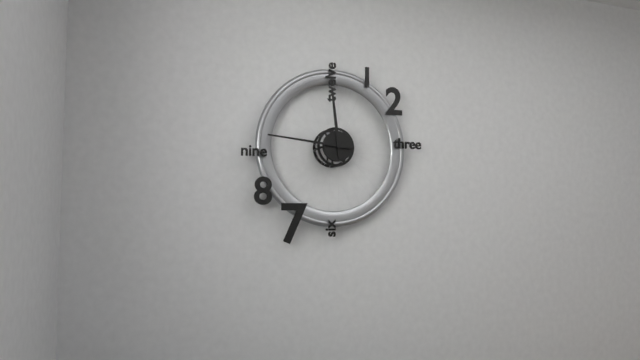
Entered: 11 h 46 min
